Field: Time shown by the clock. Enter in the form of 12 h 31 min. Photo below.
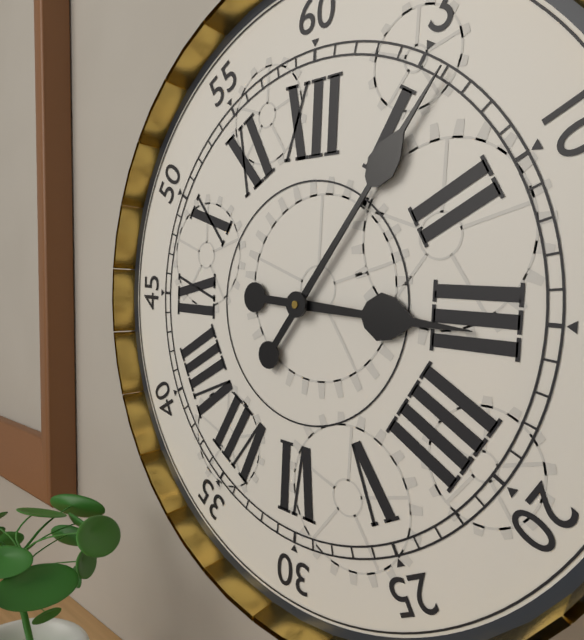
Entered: 3 h 06 min
